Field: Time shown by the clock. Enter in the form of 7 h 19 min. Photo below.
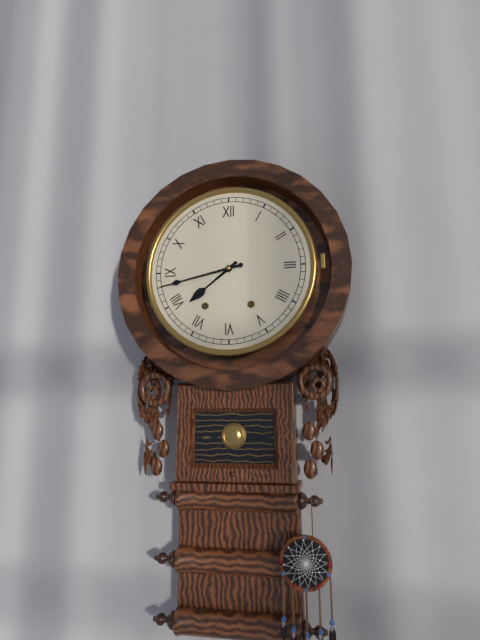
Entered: 7 h 43 min
